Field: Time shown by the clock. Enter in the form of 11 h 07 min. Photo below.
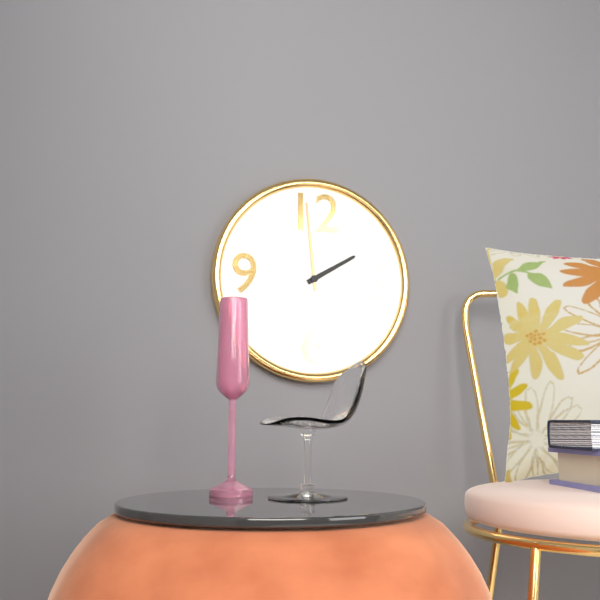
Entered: 1 h 59 min
